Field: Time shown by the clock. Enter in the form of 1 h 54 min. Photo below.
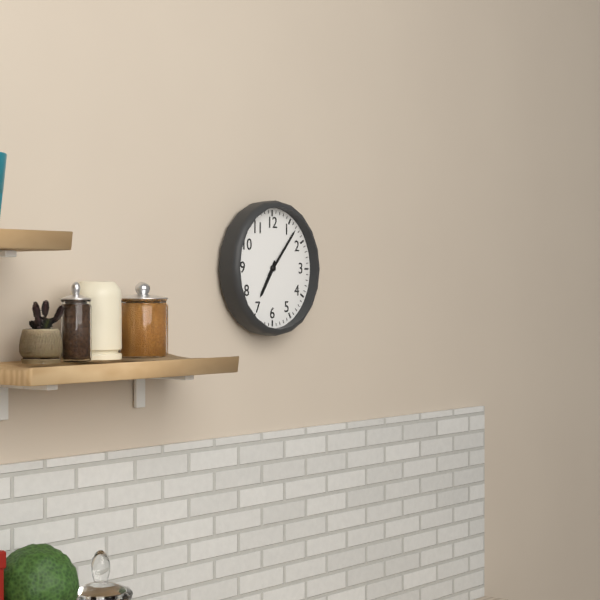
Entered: 7 h 07 min
